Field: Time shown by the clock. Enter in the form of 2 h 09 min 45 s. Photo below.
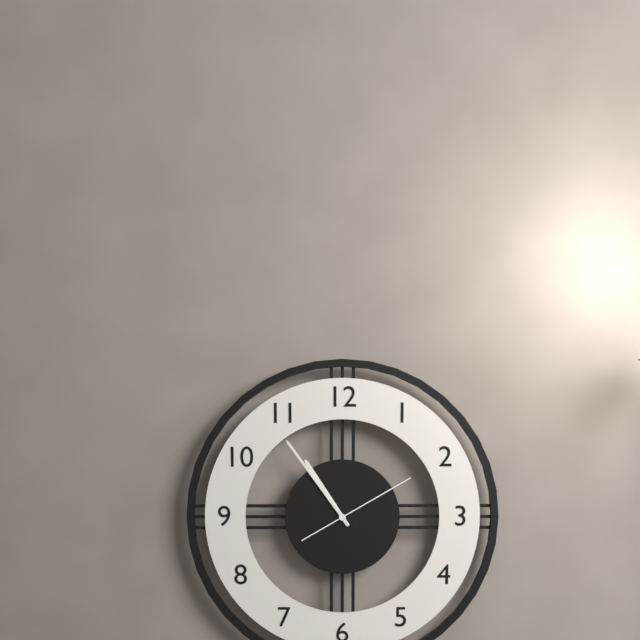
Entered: 10 h 54 min 10 s
